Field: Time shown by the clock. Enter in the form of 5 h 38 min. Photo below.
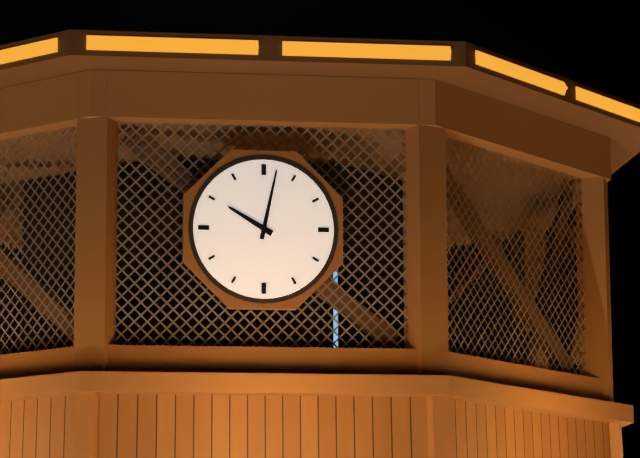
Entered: 10 h 02 min
